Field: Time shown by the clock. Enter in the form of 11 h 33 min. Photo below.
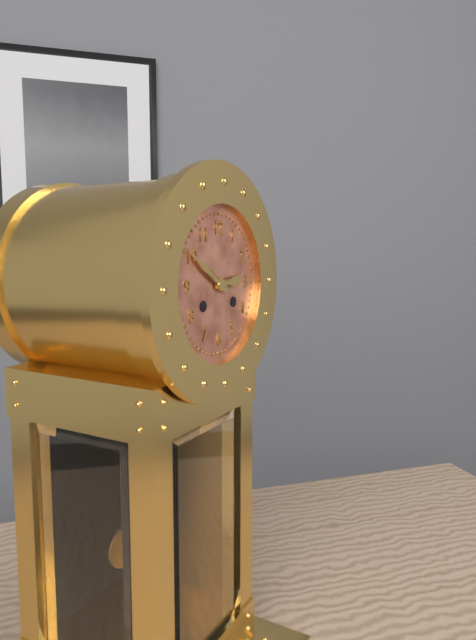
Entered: 2 h 50 min
